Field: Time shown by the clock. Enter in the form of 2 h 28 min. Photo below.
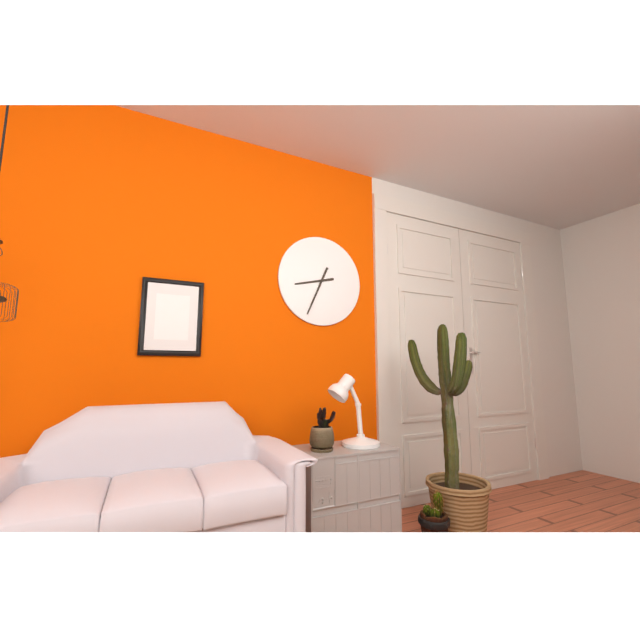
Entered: 8 h 34 min
